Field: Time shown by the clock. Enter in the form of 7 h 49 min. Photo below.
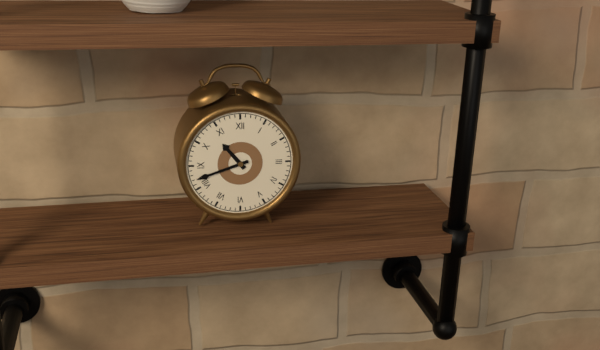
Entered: 10 h 42 min
